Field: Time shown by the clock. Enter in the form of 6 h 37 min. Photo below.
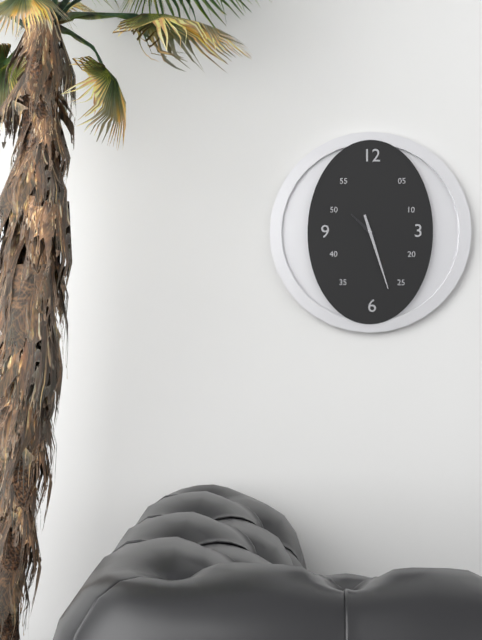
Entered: 10 h 27 min
